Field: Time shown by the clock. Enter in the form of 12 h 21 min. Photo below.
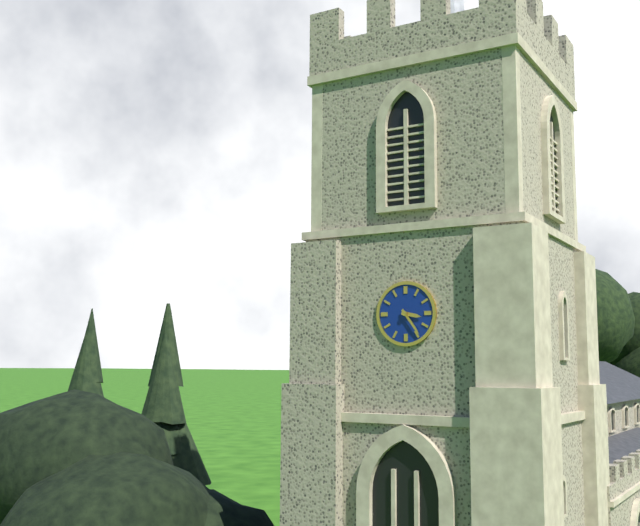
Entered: 3 h 24 min
